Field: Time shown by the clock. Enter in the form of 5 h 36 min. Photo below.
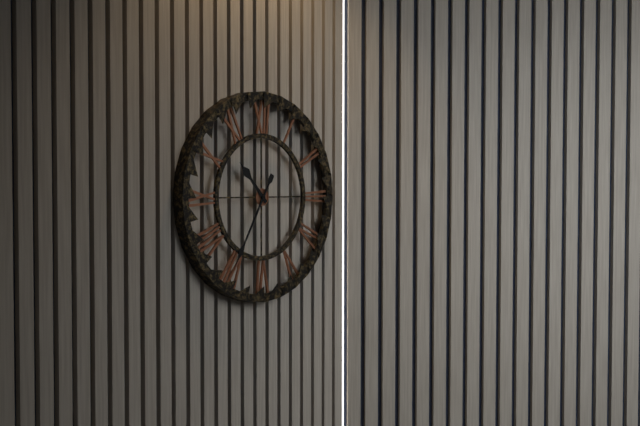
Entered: 10 h 35 min
